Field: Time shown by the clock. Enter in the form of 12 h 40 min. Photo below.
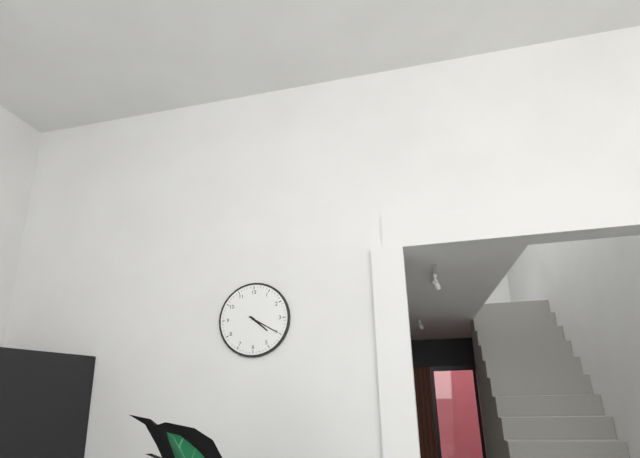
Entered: 4 h 20 min
